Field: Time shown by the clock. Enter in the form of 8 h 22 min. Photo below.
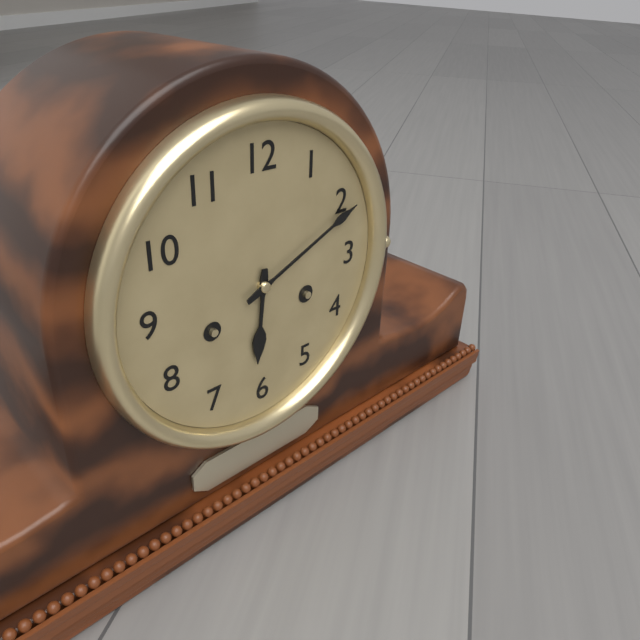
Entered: 6 h 11 min
